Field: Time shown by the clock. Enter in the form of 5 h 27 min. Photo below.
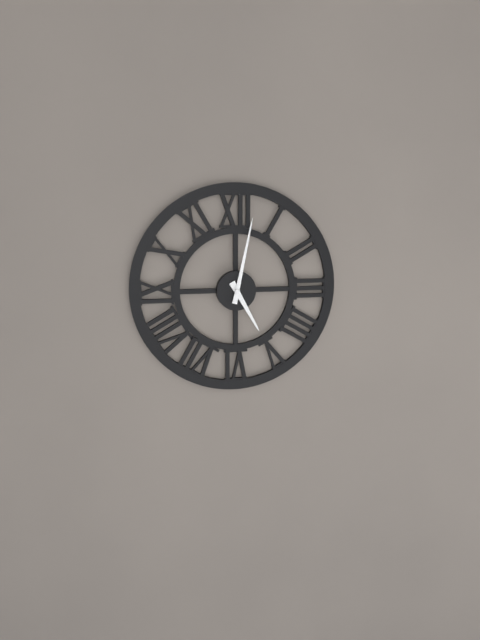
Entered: 5 h 02 min
